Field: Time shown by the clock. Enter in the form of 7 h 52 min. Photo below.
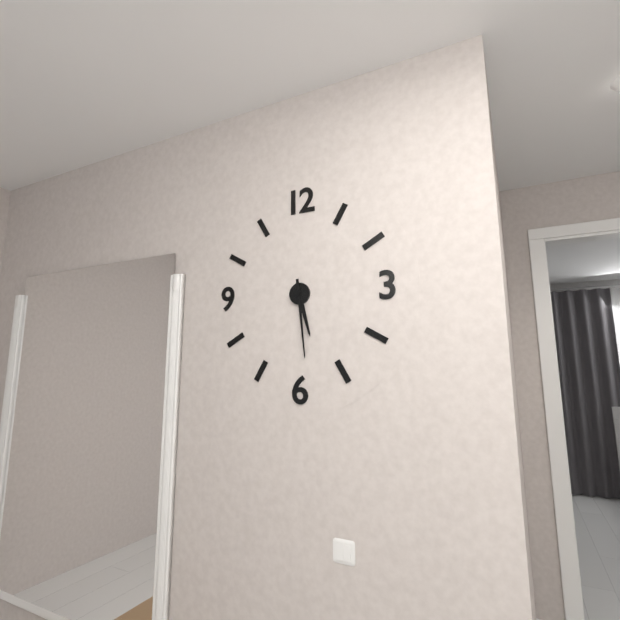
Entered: 5 h 29 min
